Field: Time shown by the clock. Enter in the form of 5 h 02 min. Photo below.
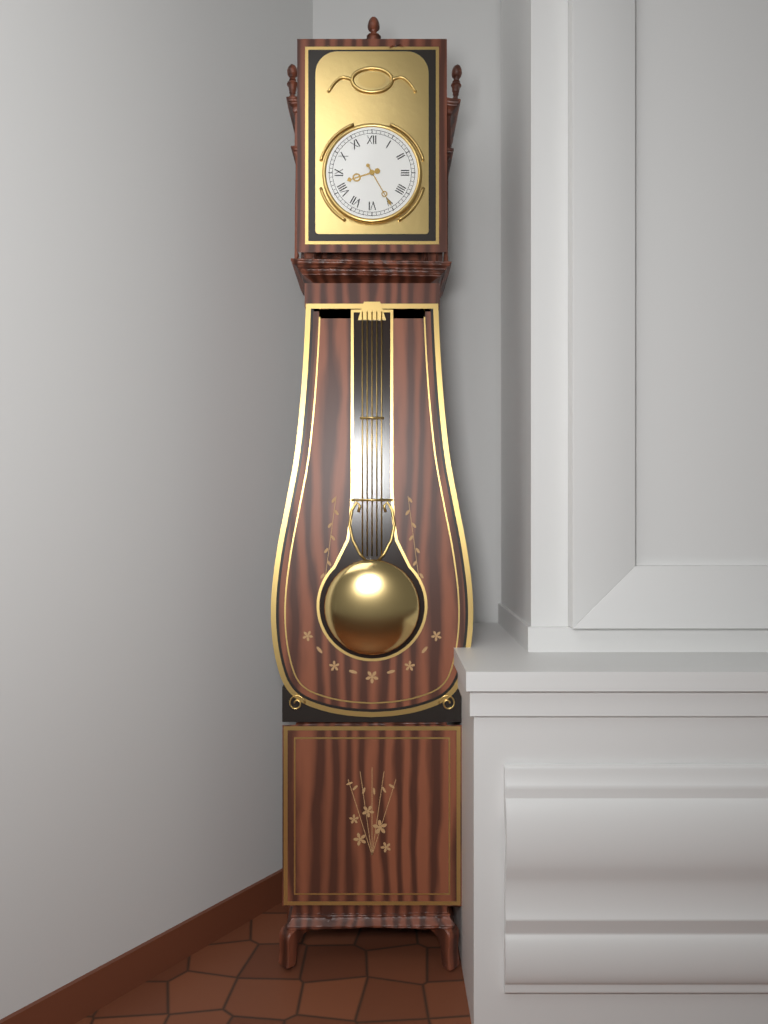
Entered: 8 h 25 min
